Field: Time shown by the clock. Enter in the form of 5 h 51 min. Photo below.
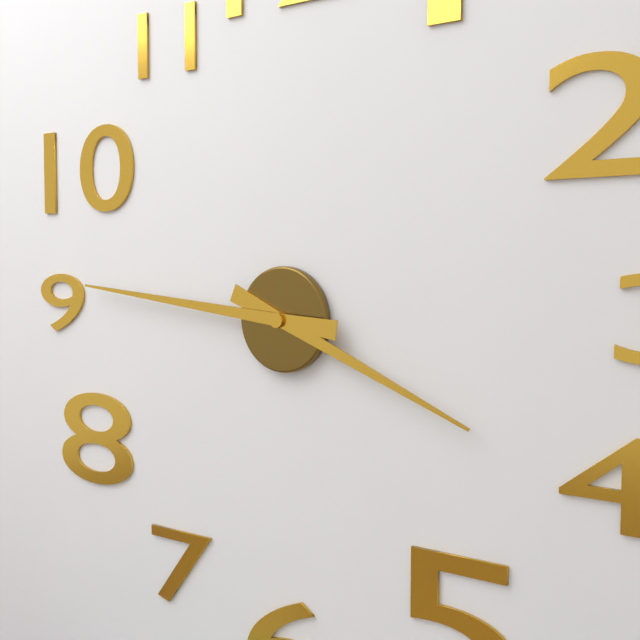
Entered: 3 h 46 min
